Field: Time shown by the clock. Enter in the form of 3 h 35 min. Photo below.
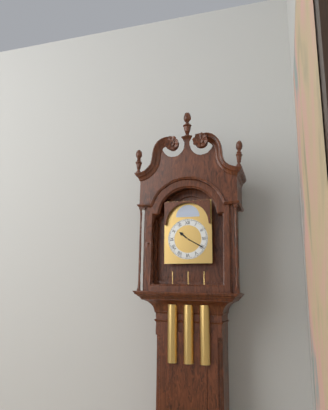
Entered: 10 h 20 min
